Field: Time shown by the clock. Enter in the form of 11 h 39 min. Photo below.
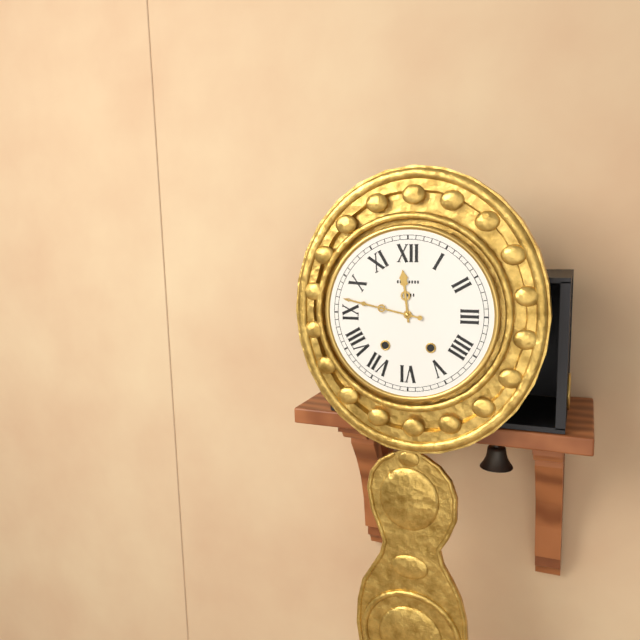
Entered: 11 h 47 min
